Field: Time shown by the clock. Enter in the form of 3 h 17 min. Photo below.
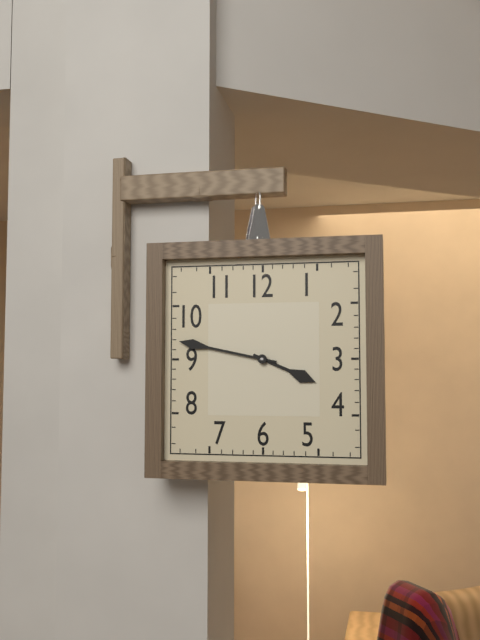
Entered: 3 h 47 min
